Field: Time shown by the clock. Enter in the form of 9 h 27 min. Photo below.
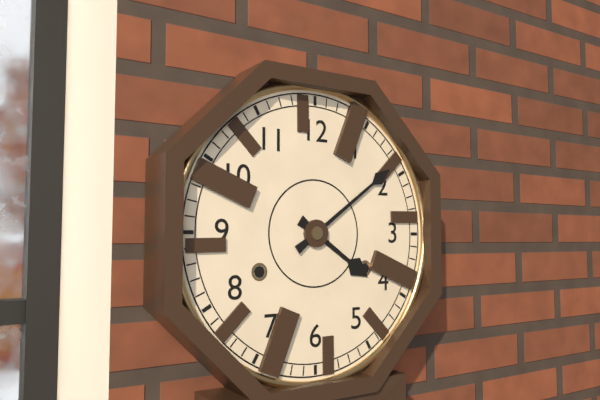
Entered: 4 h 09 min
